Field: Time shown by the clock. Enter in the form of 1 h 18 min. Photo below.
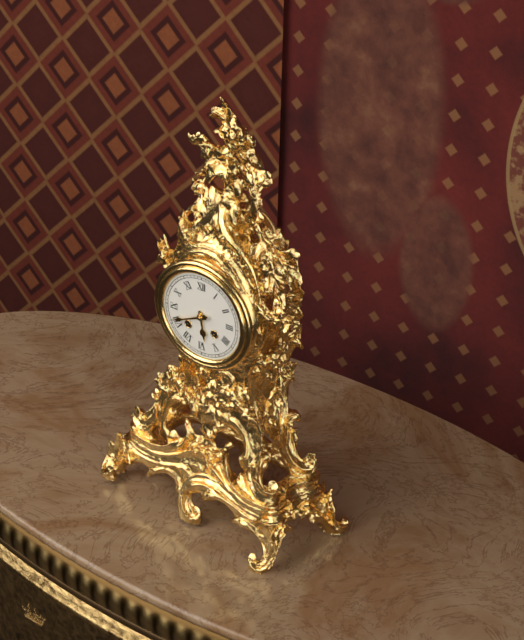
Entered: 5 h 41 min
